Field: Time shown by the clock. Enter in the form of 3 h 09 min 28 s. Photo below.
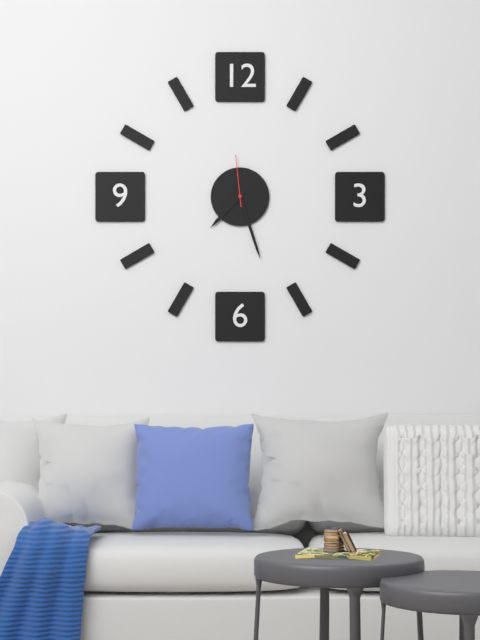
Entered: 7 h 27 min 59 s
